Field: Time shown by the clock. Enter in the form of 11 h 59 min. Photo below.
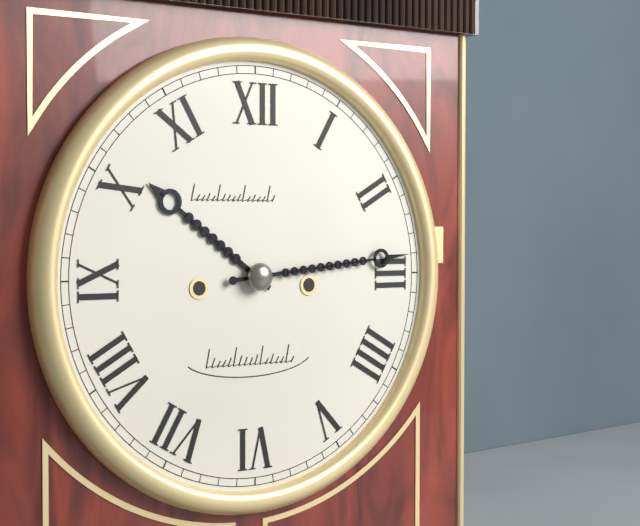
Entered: 10 h 14 min
